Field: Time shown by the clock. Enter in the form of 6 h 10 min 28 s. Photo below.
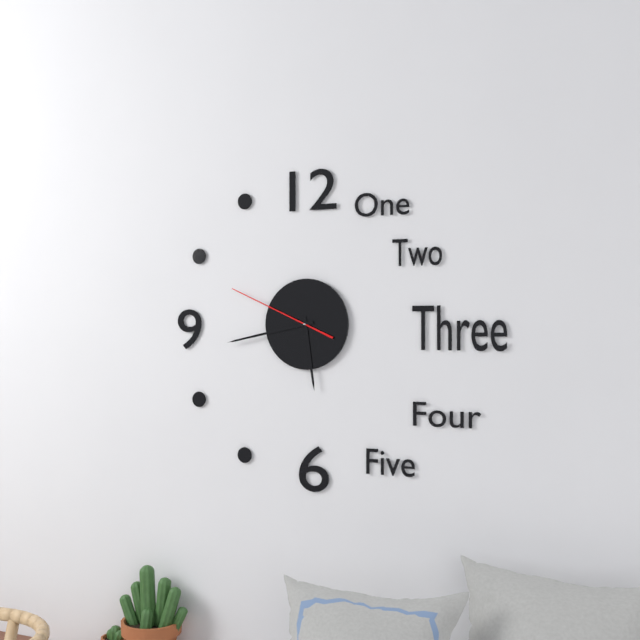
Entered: 5 h 43 min 49 s
